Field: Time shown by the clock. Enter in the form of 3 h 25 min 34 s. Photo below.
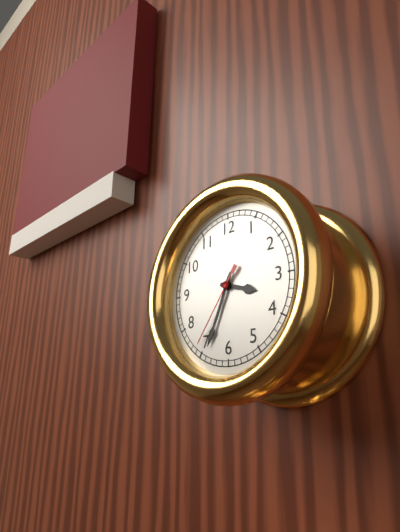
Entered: 3 h 34 min 36 s
